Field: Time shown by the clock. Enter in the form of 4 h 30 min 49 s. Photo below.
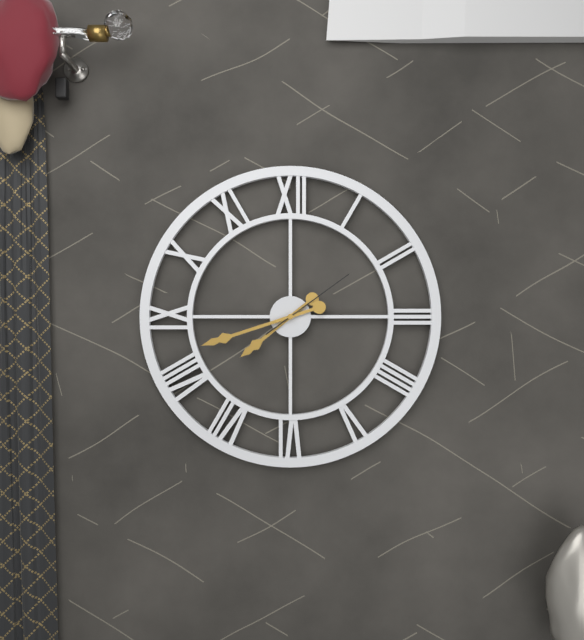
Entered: 7 h 42 min 09 s
